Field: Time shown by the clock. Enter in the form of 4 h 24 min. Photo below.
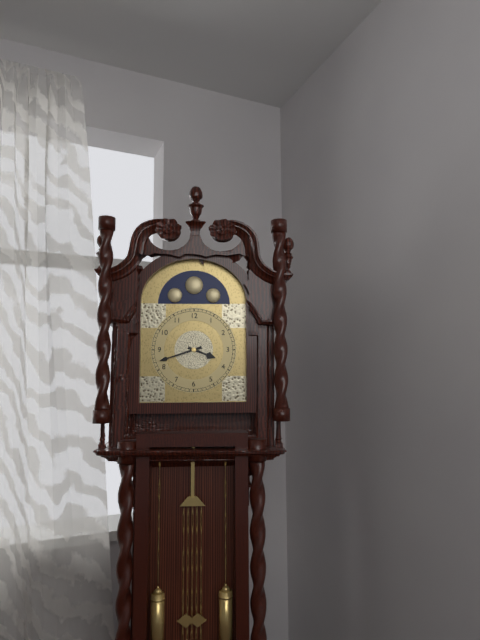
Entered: 3 h 42 min
